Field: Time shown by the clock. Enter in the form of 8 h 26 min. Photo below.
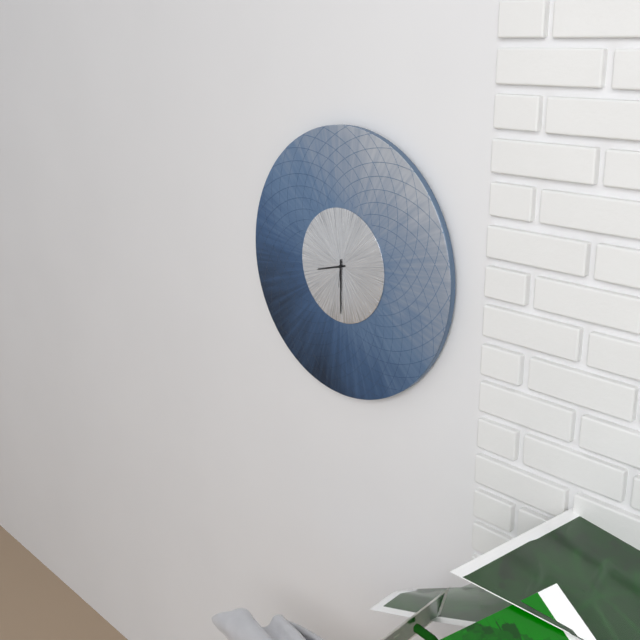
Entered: 8 h 30 min
